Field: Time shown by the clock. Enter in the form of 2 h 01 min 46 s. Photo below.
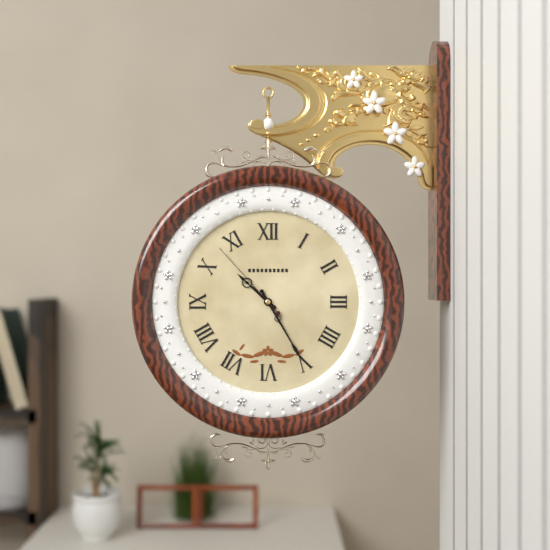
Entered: 10 h 25 min 53 s
